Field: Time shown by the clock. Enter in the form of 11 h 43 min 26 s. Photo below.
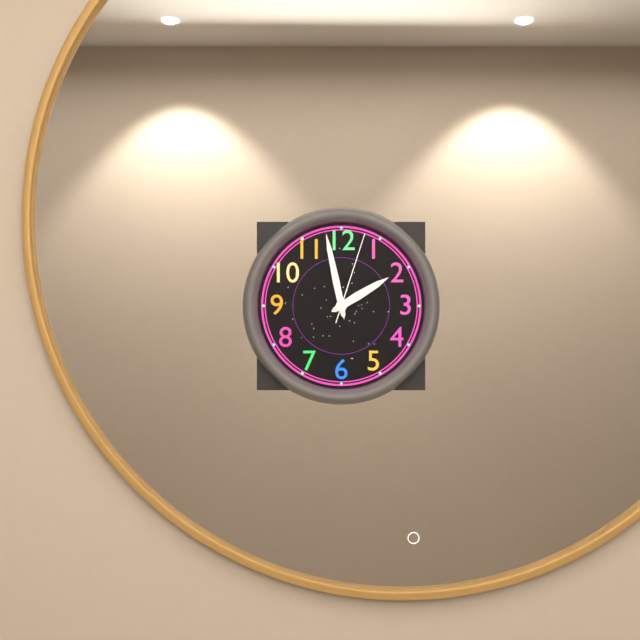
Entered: 1 h 58 min 03 s
